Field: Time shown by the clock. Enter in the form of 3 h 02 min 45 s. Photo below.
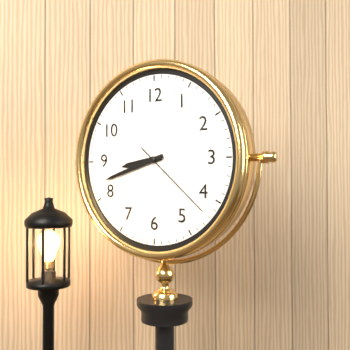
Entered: 8 h 42 min 22 s
